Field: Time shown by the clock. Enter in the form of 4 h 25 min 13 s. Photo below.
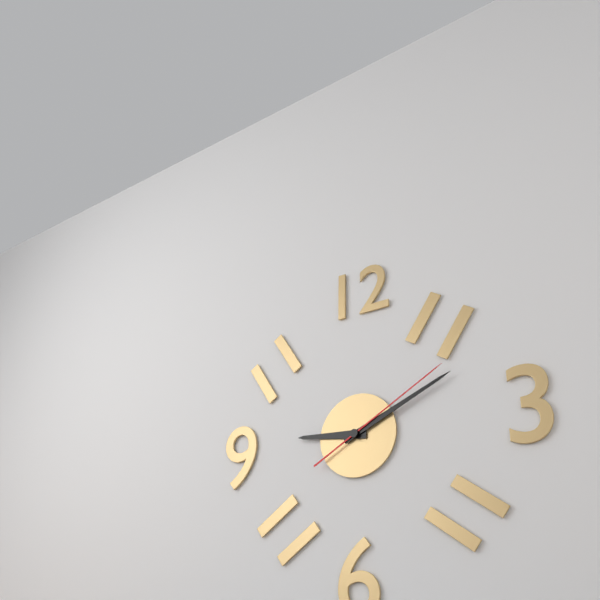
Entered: 9 h 11 min 10 s
